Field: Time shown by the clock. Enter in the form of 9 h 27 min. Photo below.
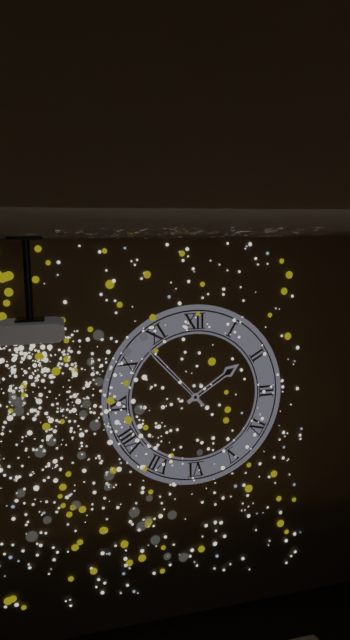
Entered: 1 h 53 min
